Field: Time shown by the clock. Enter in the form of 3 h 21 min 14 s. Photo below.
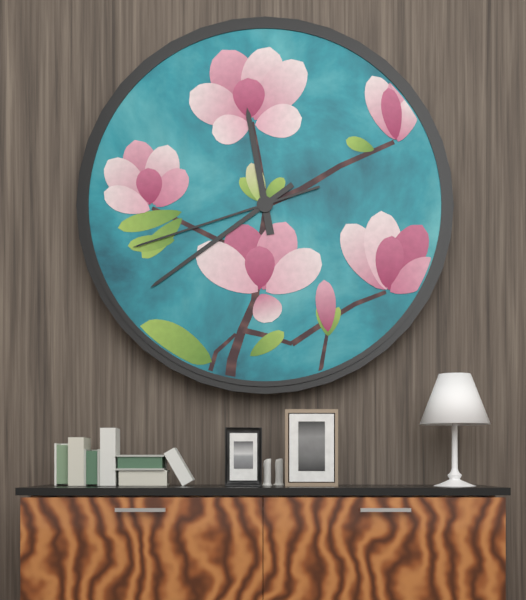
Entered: 11 h 39 min 42 s
